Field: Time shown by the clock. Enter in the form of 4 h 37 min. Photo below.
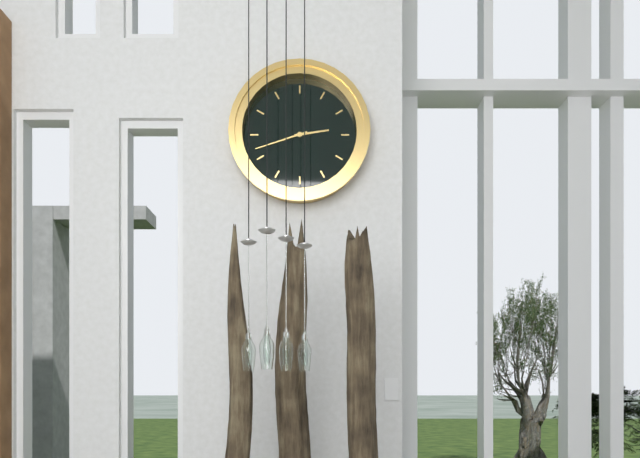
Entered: 2 h 42 min
